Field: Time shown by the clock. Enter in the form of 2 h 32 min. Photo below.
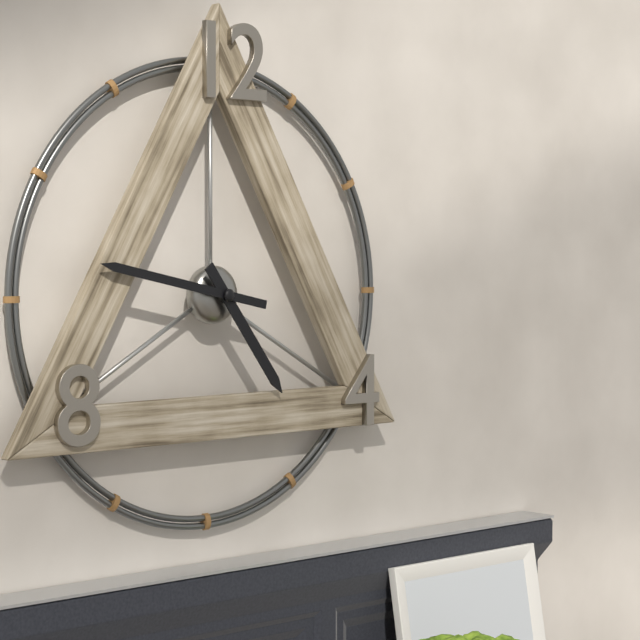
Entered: 4 h 47 min
